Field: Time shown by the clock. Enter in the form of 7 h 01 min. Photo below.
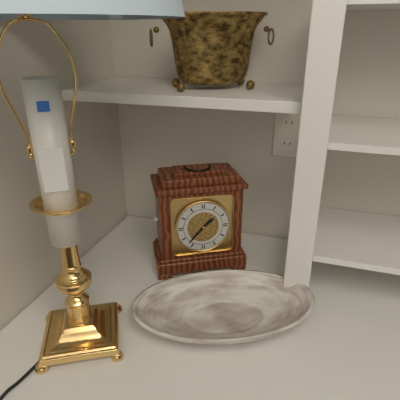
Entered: 1 h 37 min
